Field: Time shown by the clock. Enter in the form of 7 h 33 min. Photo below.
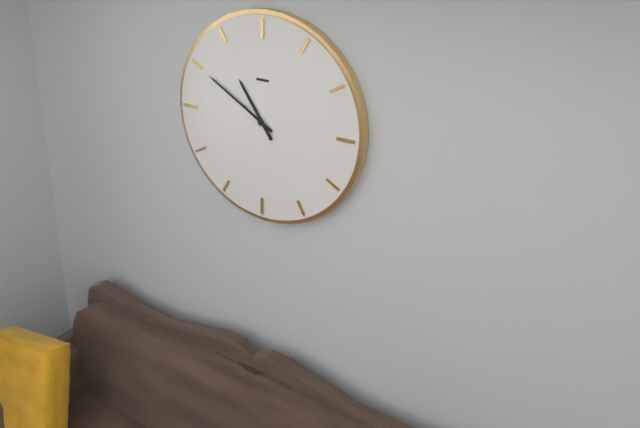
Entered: 10 h 50 min
